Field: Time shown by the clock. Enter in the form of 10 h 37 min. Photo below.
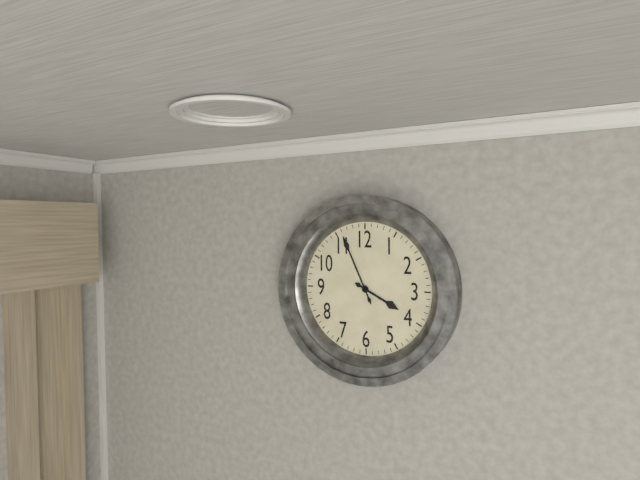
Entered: 3 h 56 min
